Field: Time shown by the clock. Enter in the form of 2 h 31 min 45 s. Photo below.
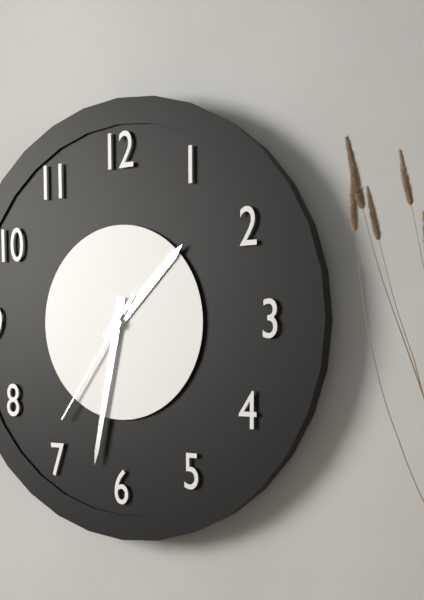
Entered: 1 h 32 min 36 s
